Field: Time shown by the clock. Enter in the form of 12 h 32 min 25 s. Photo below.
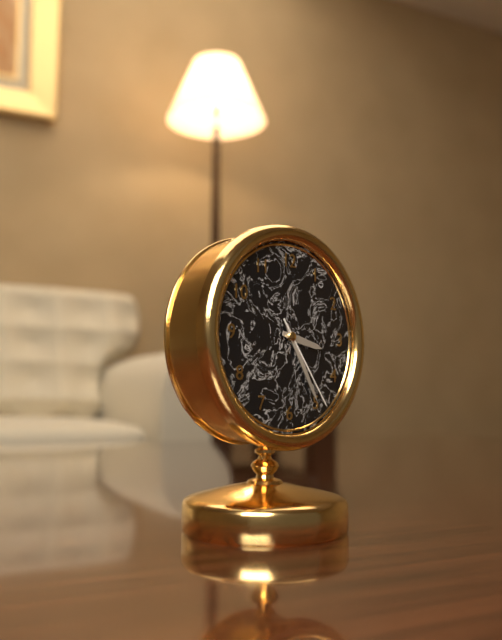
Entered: 3 h 25 min 24 s
